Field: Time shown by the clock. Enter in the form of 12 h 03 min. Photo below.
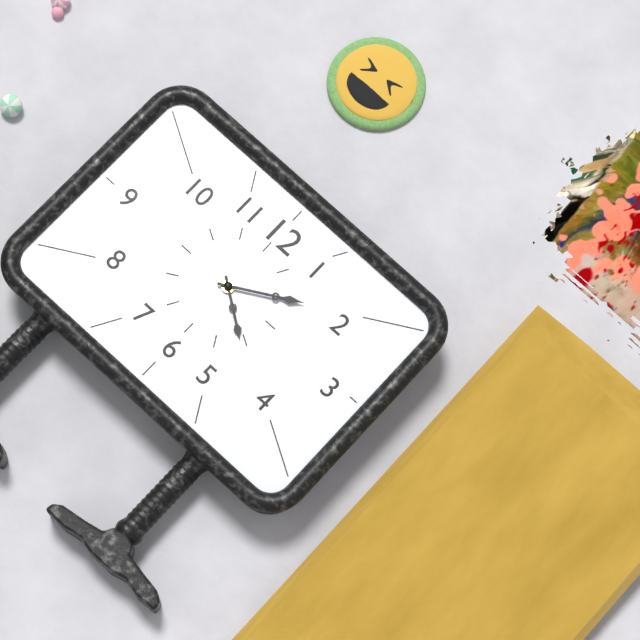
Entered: 4 h 10 min
